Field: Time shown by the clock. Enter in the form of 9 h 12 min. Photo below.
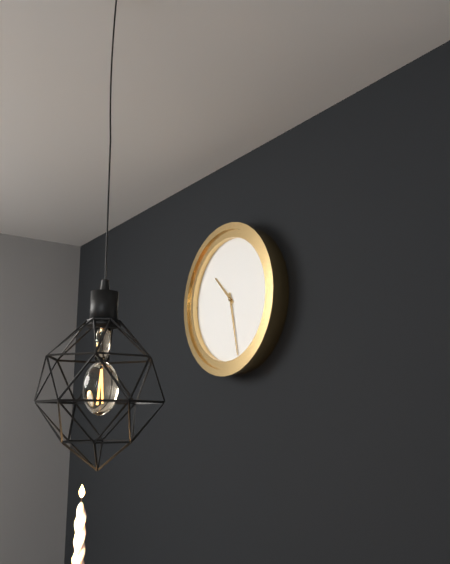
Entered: 10 h 28 min
